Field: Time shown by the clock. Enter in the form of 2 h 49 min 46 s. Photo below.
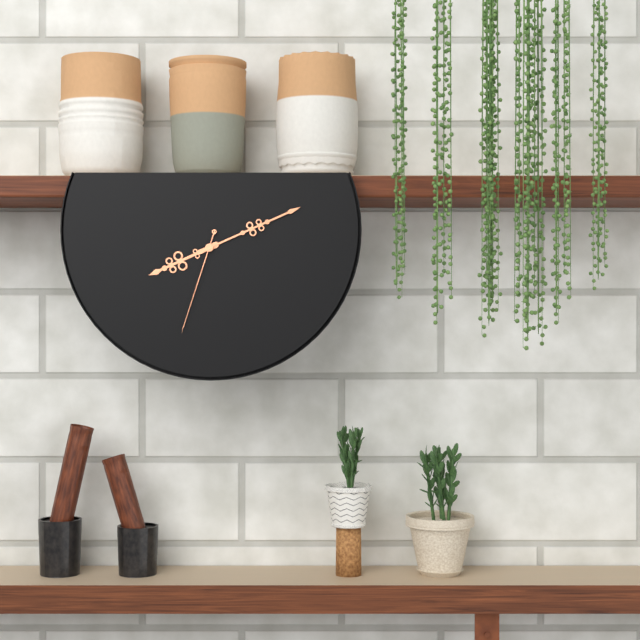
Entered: 8 h 11 min 33 s
